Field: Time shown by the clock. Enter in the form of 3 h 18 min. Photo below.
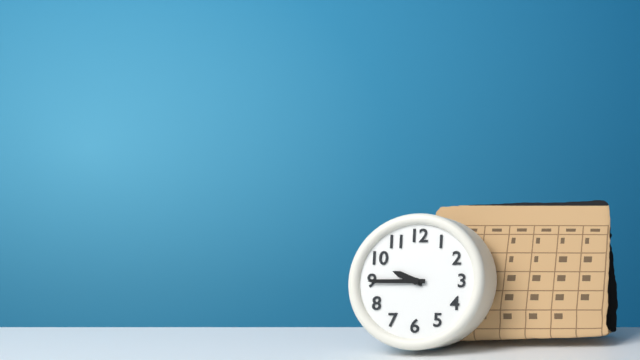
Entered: 9 h 45 min
